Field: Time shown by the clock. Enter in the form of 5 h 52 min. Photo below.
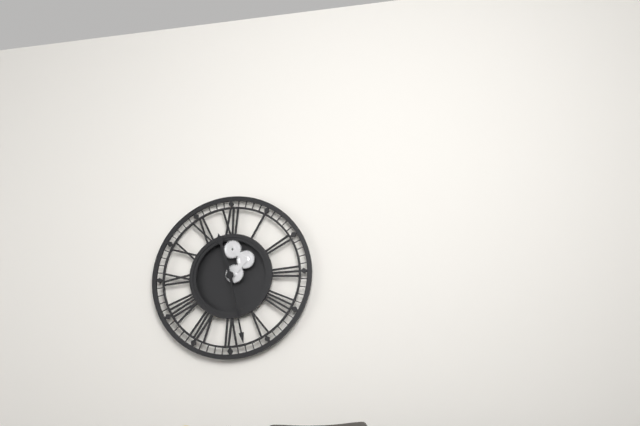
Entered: 11 h 28 min
